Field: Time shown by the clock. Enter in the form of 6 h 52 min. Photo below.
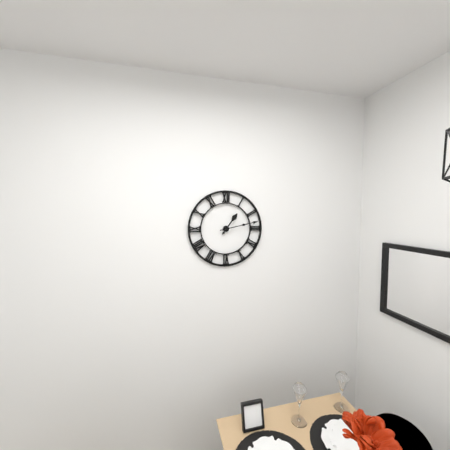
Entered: 1 h 13 min
